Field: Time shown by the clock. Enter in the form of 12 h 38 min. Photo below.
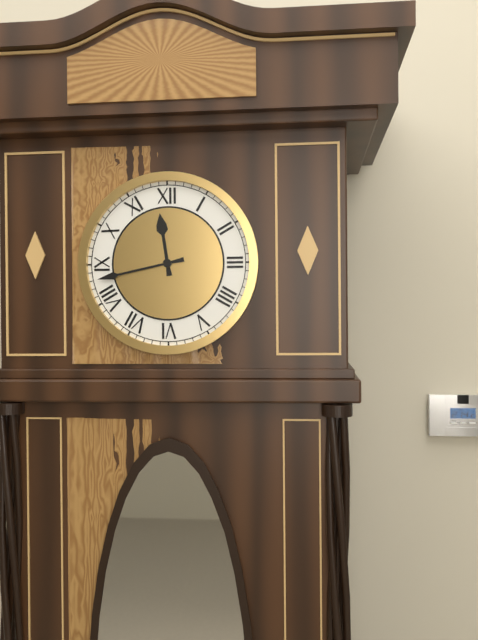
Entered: 11 h 43 min
